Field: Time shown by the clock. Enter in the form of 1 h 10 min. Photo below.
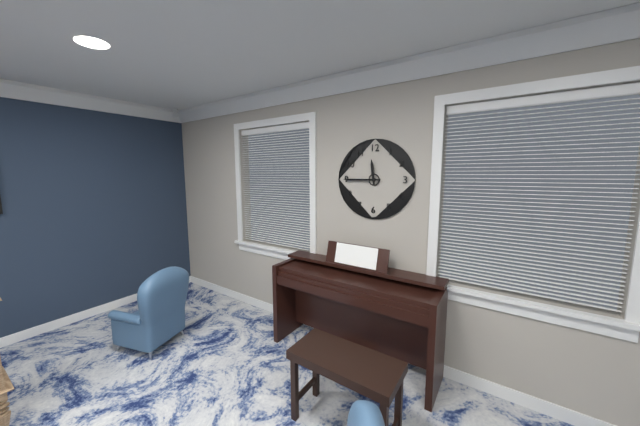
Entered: 11 h 45 min
